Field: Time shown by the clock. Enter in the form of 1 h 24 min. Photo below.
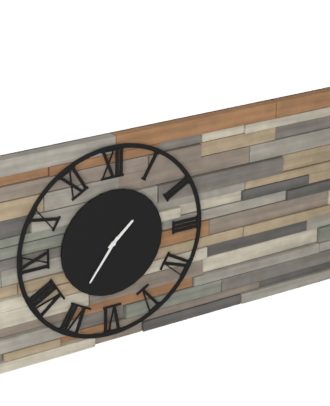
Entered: 1 h 36 min
